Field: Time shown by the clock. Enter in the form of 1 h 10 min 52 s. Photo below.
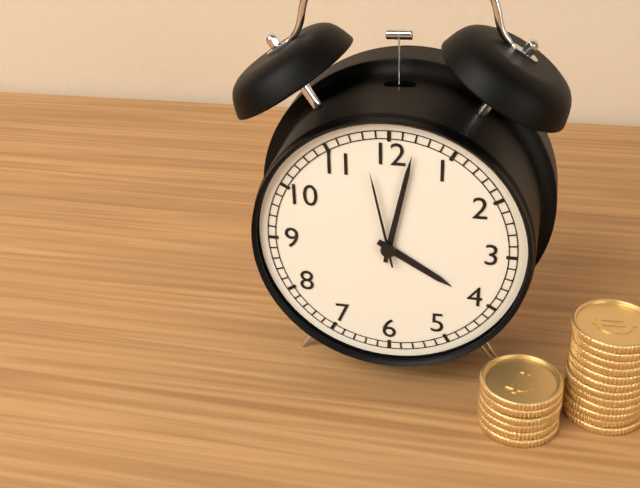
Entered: 4 h 02 min 58 s
